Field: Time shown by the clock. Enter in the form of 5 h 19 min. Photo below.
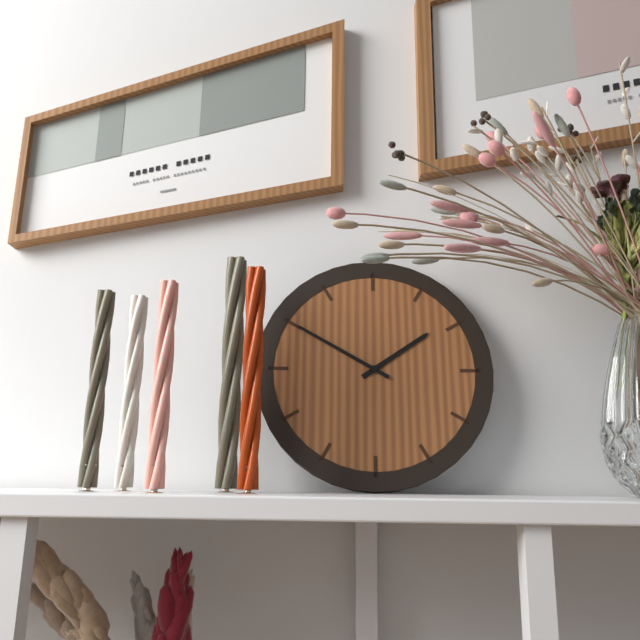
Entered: 1 h 50 min
